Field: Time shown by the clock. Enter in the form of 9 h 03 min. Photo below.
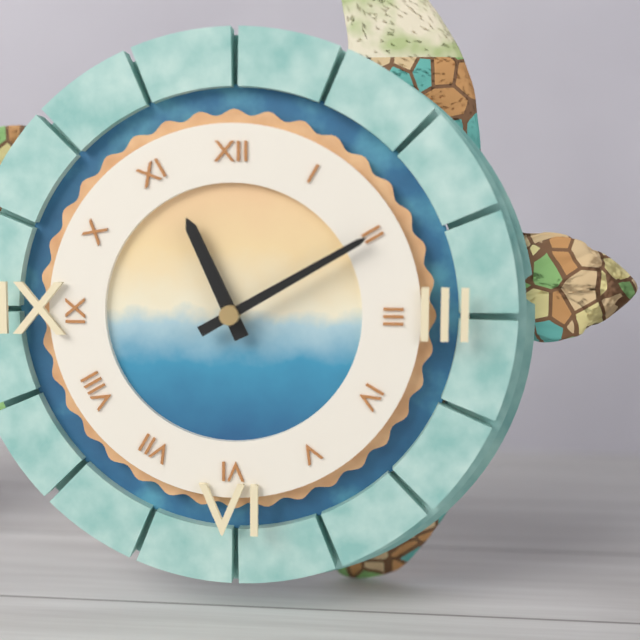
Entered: 11 h 10 min
